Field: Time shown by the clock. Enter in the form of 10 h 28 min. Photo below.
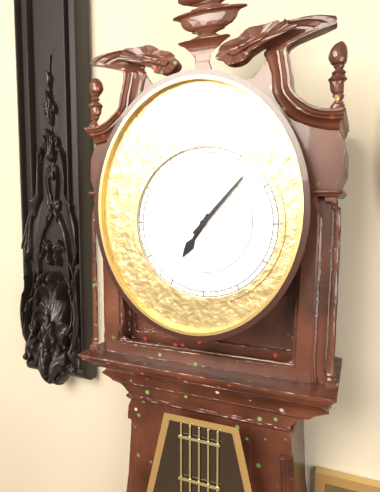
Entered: 7 h 07 min
